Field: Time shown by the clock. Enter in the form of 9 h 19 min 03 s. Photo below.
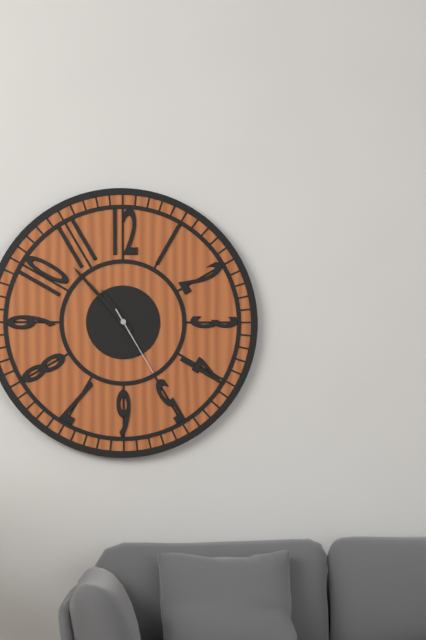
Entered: 10 h 53 min 25 s
